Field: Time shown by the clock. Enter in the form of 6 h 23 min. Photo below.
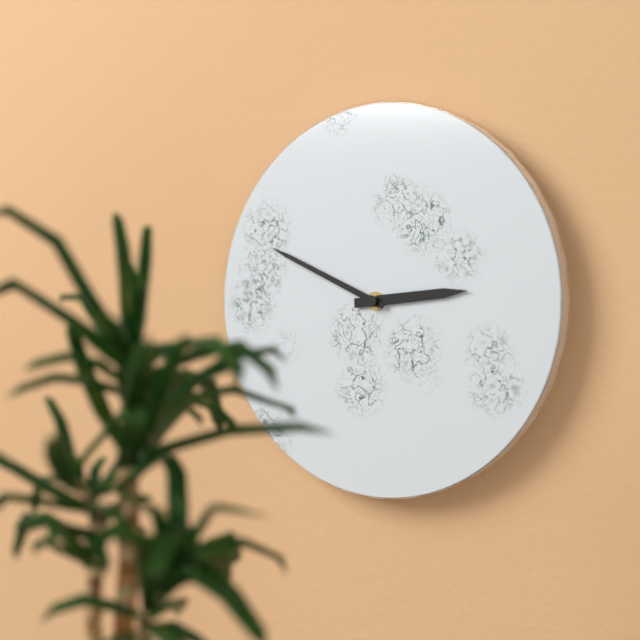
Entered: 2 h 49 min
